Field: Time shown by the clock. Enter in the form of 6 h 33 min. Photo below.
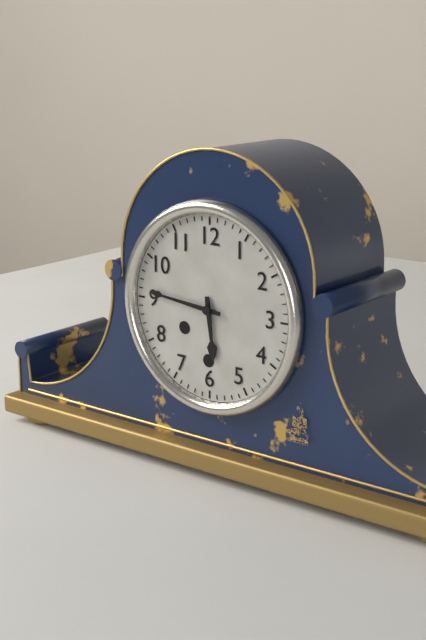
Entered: 5 h 46 min
